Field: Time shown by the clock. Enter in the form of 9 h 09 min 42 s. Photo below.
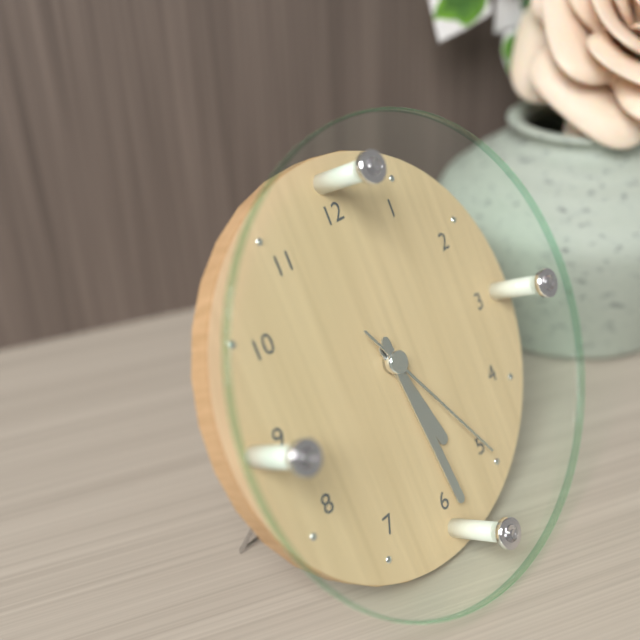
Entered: 5 h 29 min 25 s
